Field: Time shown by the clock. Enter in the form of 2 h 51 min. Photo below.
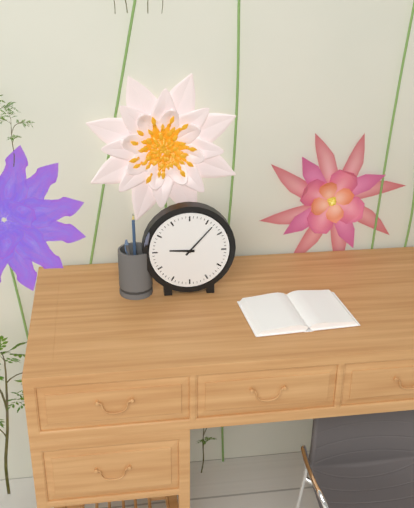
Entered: 9 h 07 min
